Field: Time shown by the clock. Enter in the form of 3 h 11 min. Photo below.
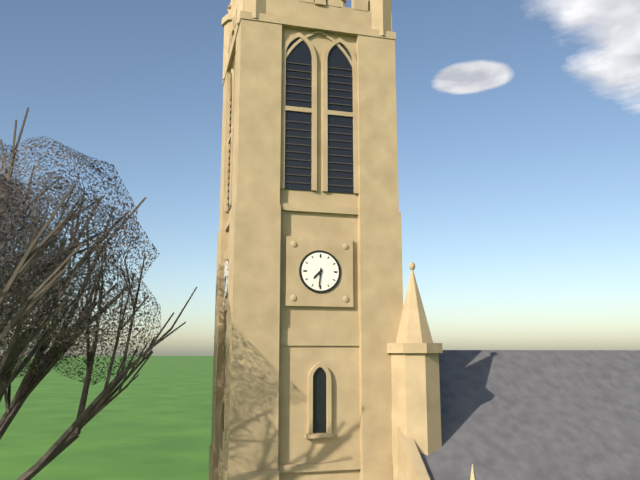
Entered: 7 h 31 min
